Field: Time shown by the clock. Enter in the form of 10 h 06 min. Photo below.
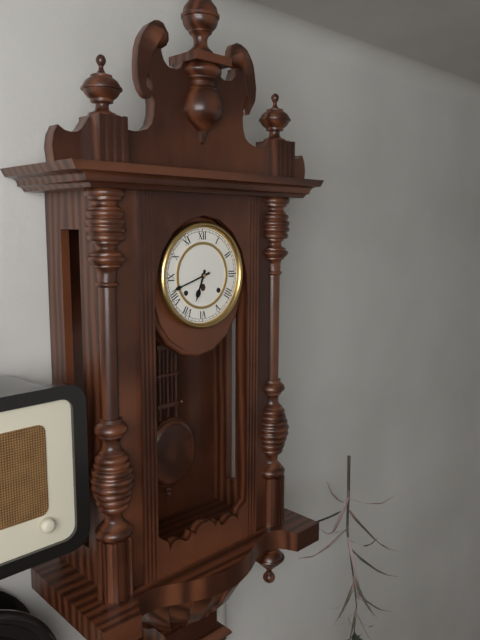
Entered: 6 h 42 min
